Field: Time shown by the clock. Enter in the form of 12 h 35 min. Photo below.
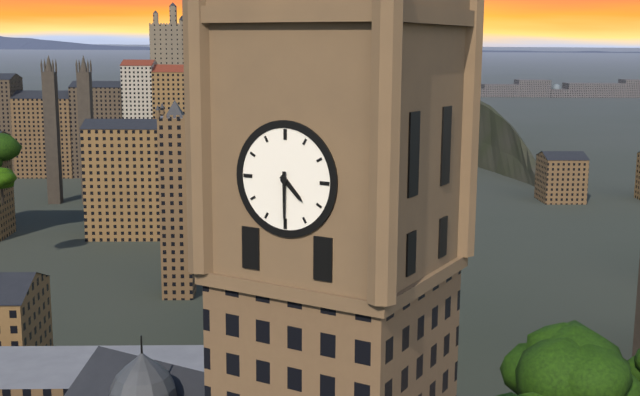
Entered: 4 h 30 min
